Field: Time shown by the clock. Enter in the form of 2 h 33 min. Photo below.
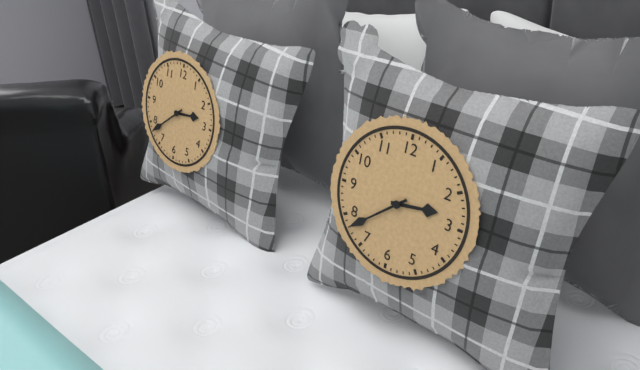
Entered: 2 h 38 min
